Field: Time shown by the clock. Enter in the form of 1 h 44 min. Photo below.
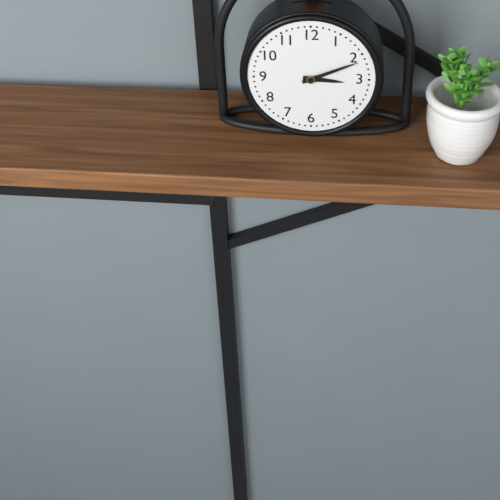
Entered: 3 h 11 min
